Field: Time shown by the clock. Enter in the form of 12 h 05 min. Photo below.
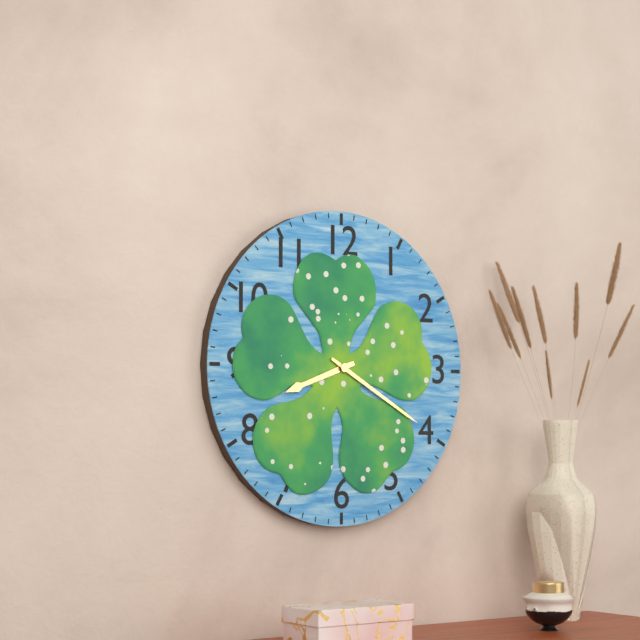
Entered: 8 h 20 min
